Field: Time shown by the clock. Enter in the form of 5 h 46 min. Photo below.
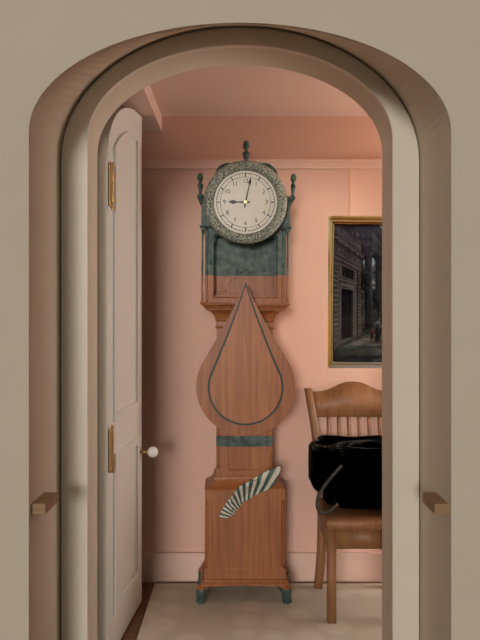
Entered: 9 h 02 min
